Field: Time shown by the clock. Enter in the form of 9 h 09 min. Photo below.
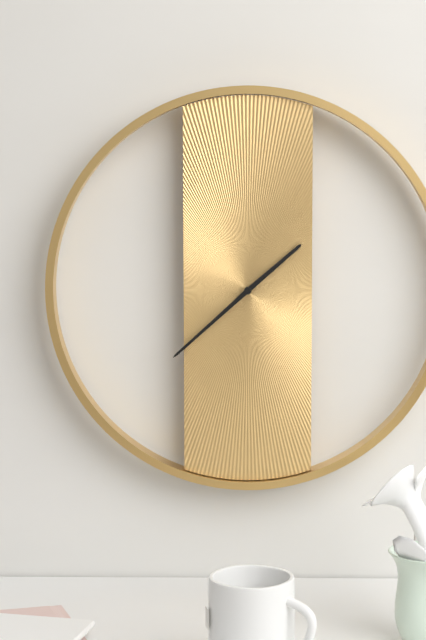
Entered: 1 h 38 min
